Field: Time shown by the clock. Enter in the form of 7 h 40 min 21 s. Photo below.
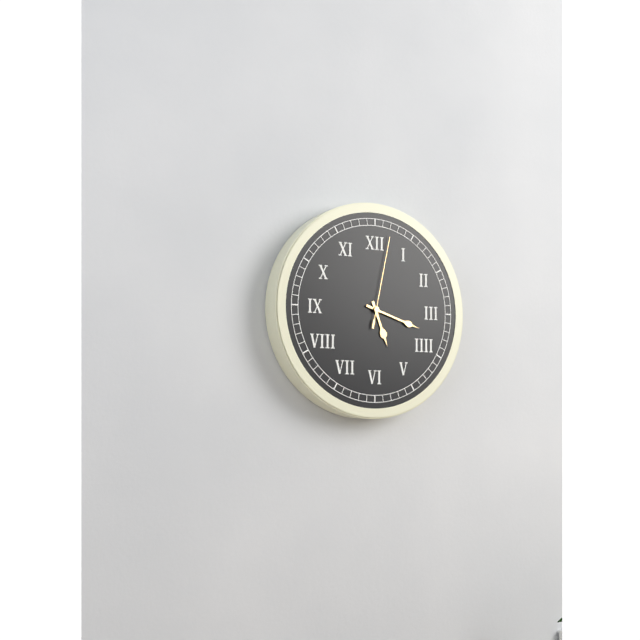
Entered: 5 h 18 min 02 s
